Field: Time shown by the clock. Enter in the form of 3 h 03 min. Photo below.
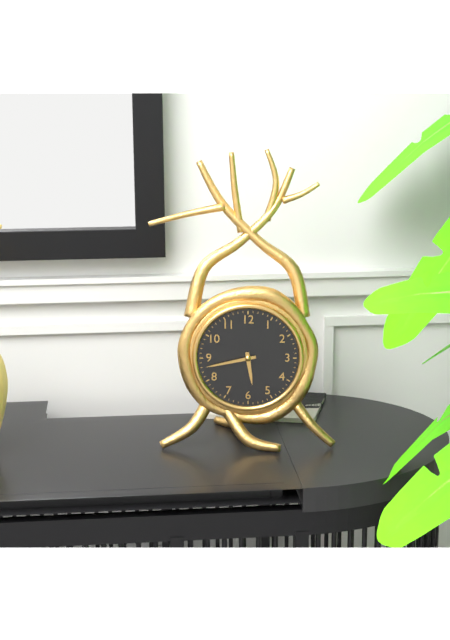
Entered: 5 h 43 min
